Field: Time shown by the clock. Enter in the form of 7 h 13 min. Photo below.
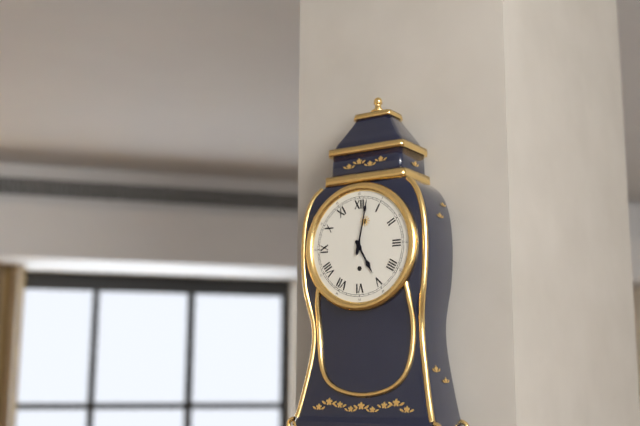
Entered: 5 h 02 min
